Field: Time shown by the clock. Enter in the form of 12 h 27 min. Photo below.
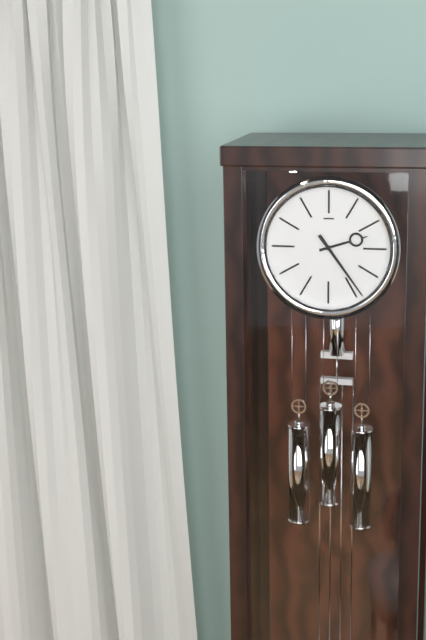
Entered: 2 h 24 min
